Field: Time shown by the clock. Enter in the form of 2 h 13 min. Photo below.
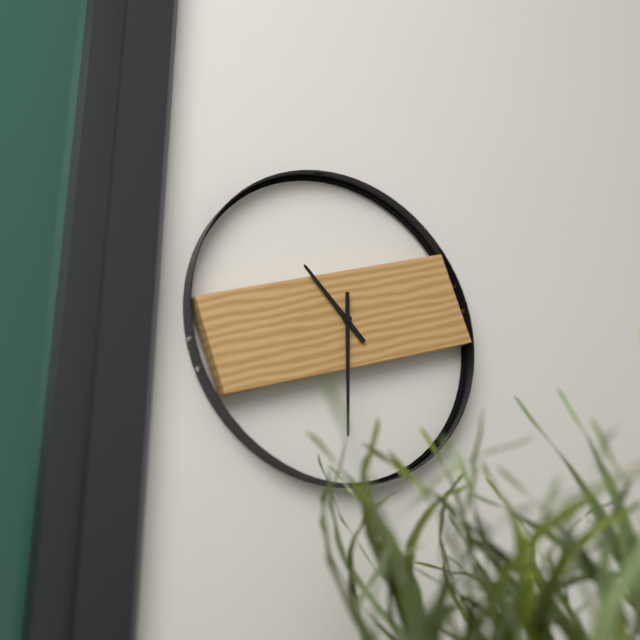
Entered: 10 h 30 min
